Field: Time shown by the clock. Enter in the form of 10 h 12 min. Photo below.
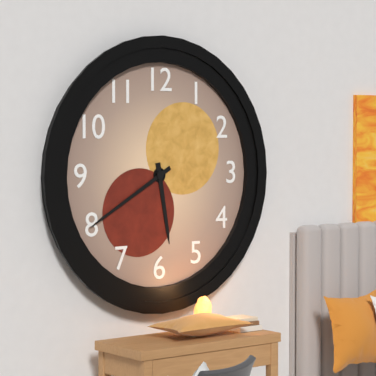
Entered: 5 h 40 min
